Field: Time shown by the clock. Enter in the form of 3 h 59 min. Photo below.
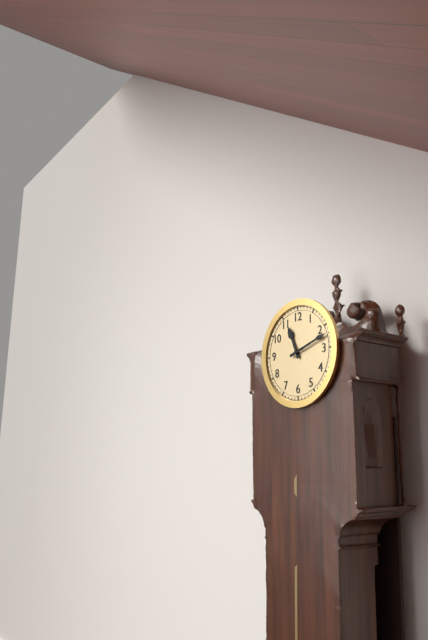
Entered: 11 h 12 min
